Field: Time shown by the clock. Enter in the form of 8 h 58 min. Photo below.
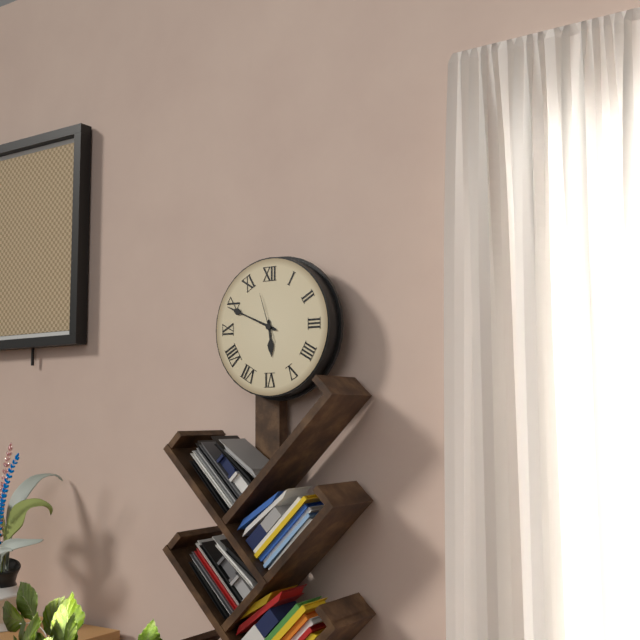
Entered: 5 h 49 min
